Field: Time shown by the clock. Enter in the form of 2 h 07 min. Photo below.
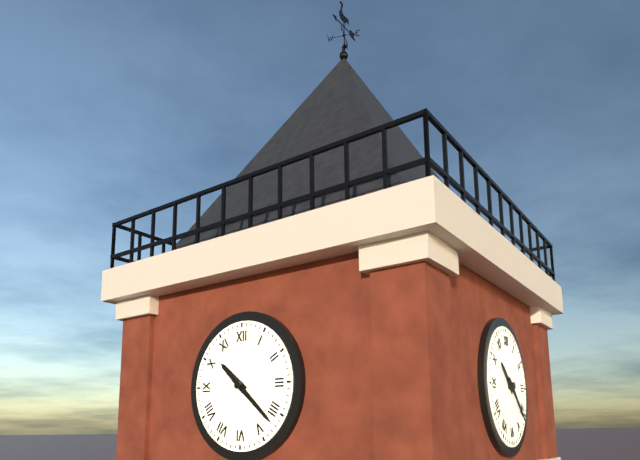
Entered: 10 h 22 min
